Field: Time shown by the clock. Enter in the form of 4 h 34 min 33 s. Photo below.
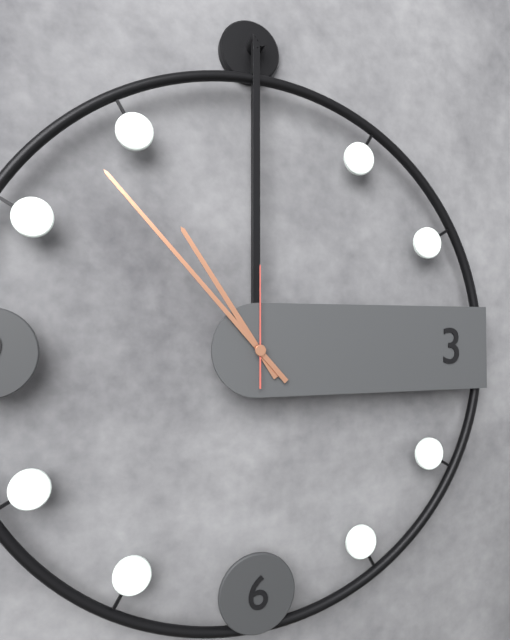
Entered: 10 h 53 min 00 s
